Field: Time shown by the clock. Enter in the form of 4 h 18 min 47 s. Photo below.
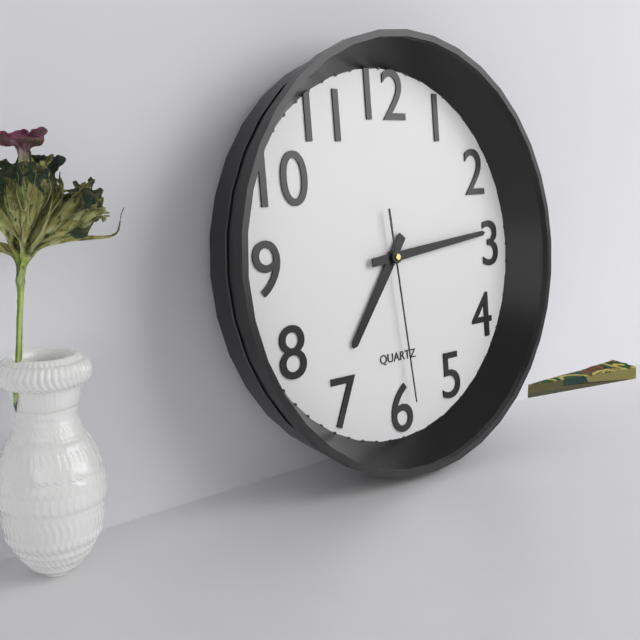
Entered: 7 h 14 min 29 s
